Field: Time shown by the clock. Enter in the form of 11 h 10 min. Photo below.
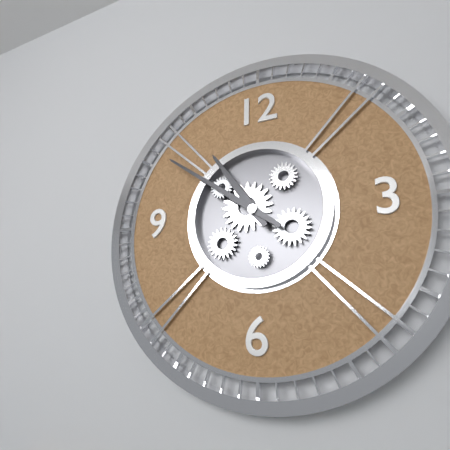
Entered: 10 h 51 min
